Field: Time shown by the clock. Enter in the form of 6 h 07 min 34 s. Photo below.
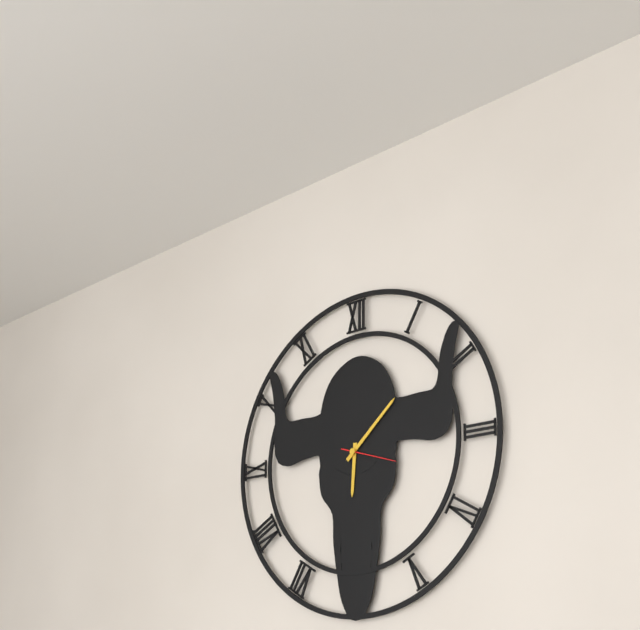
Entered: 6 h 08 min 18 s
